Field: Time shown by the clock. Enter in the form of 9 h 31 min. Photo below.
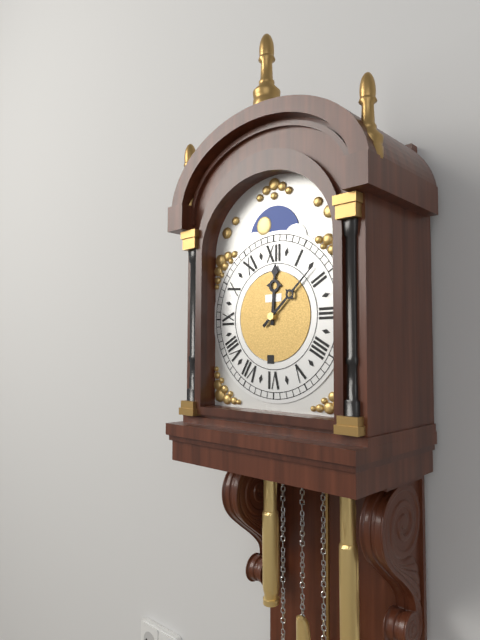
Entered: 12 h 08 min
